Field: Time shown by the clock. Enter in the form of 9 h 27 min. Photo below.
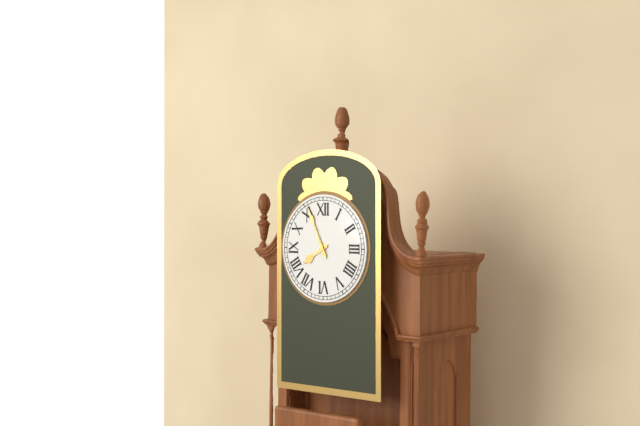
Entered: 7 h 56 min
